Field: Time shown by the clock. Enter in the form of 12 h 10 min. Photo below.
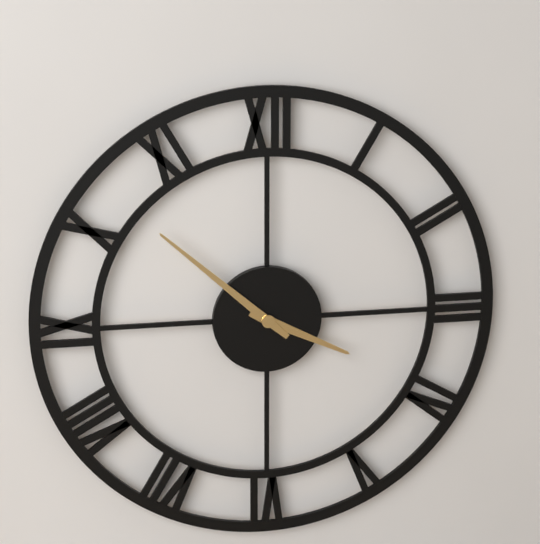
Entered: 3 h 52 min
